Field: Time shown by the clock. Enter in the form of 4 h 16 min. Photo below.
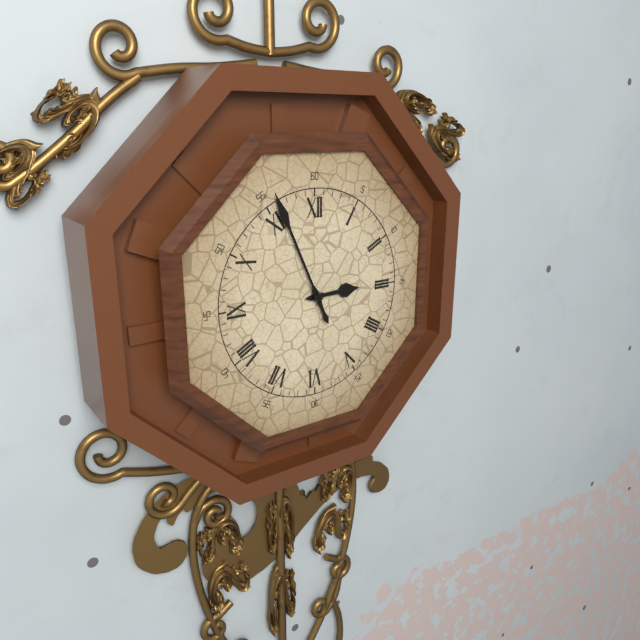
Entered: 2 h 56 min
